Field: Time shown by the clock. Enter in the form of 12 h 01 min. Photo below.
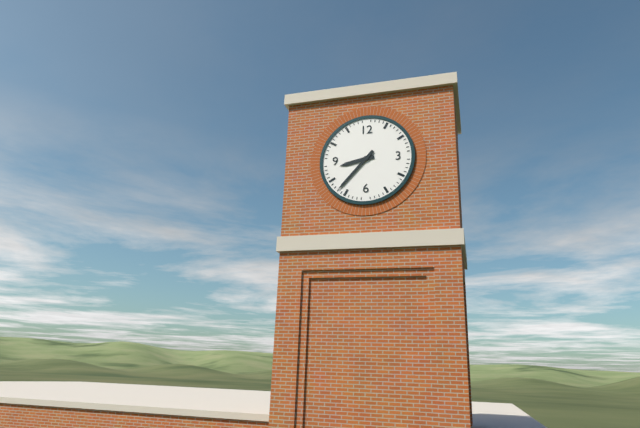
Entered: 8 h 37 min
